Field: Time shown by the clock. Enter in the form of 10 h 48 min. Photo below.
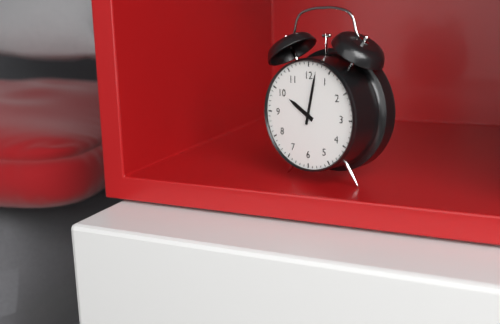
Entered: 10 h 02 min
